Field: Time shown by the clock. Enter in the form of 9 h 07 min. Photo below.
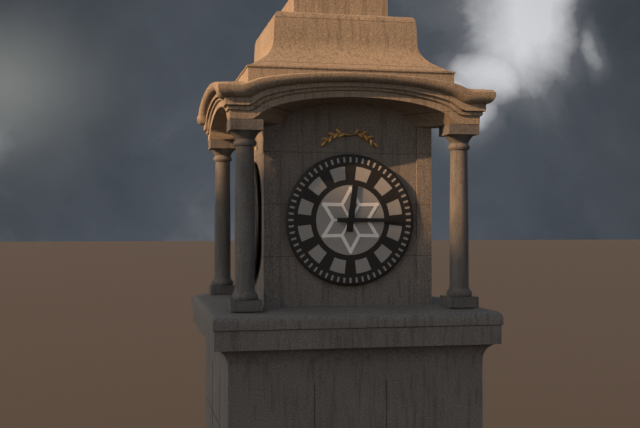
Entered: 12 h 15 min
